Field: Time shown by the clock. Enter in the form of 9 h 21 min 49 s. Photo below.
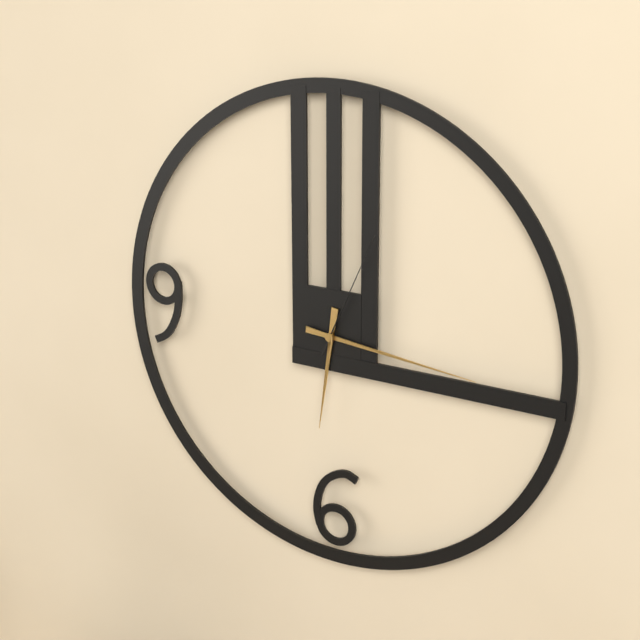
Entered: 6 h 16 min 04 s
